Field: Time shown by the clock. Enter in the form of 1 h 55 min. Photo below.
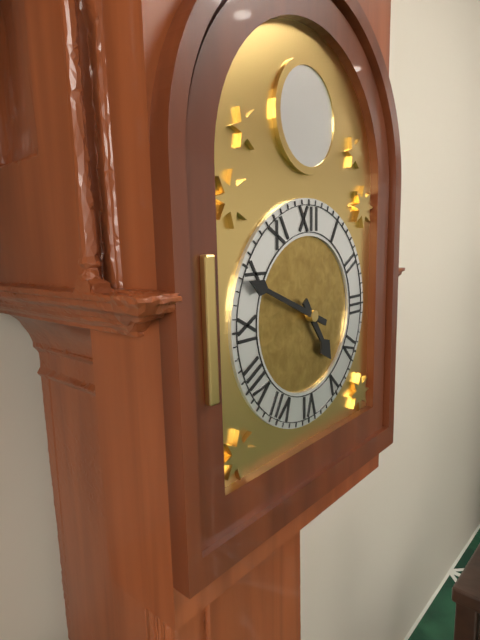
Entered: 4 h 49 min
